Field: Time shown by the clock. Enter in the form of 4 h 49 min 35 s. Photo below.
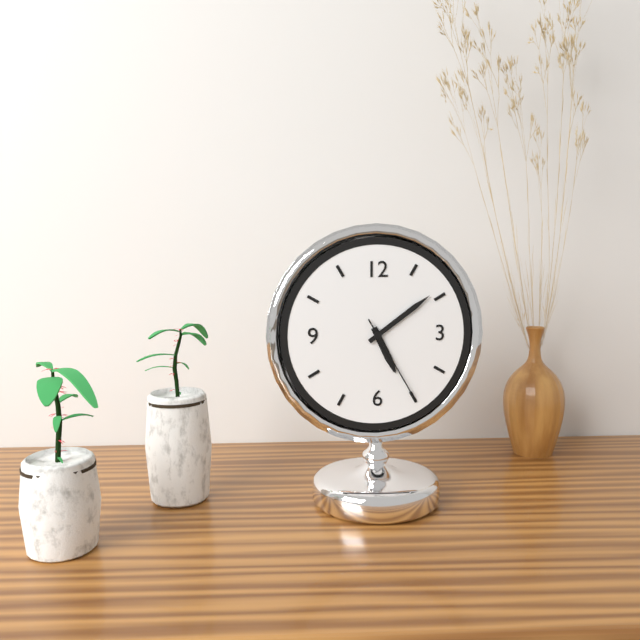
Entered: 5 h 09 min 25 s
